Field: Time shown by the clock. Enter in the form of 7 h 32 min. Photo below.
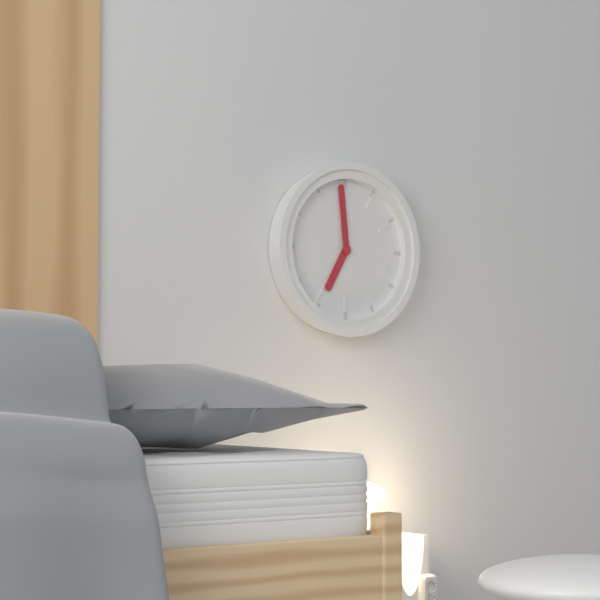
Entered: 6 h 59 min
